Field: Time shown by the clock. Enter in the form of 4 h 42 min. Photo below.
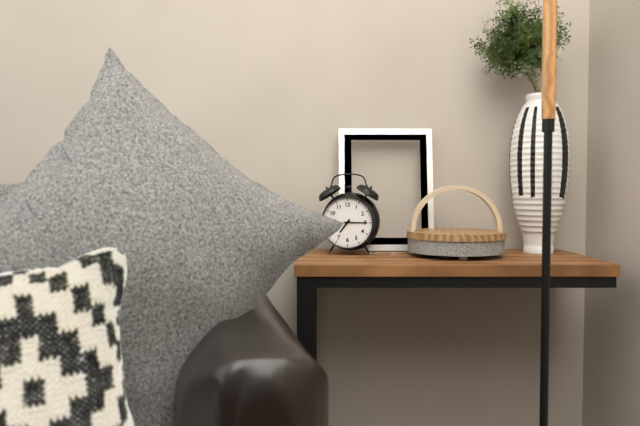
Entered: 7 h 15 min
